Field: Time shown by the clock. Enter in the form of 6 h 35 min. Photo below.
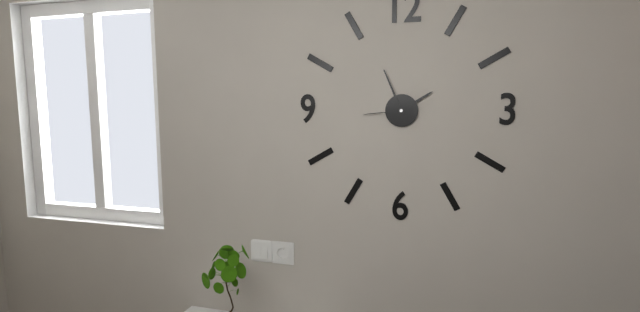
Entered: 1 h 56 min
